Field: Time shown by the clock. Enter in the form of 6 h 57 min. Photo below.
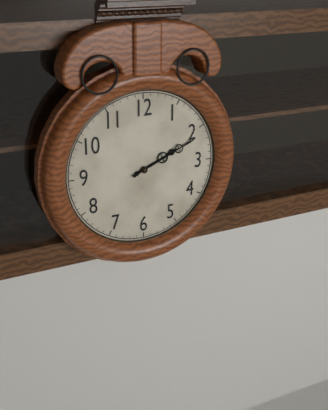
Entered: 2 h 11 min
